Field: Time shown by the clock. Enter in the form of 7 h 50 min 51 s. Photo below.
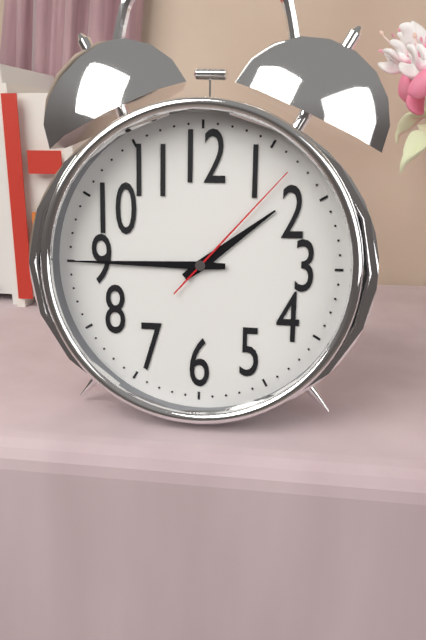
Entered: 1 h 45 min 07 s
